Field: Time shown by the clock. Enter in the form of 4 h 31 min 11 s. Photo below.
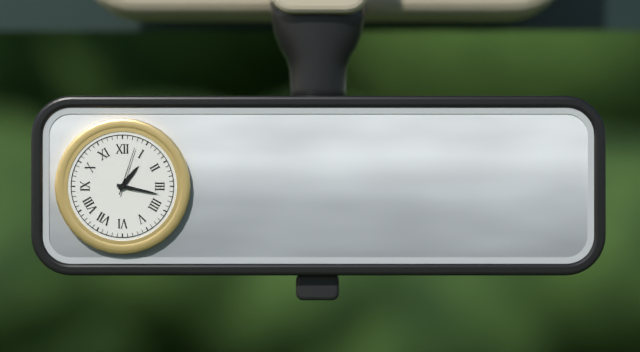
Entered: 1 h 17 min 03 s
